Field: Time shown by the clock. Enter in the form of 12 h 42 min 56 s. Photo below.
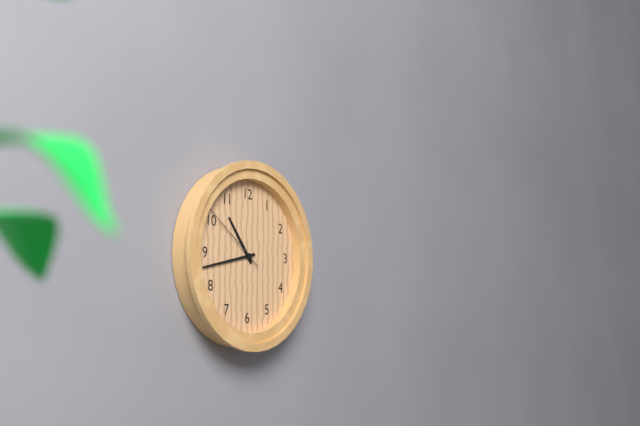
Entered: 10 h 43 min 51 s
